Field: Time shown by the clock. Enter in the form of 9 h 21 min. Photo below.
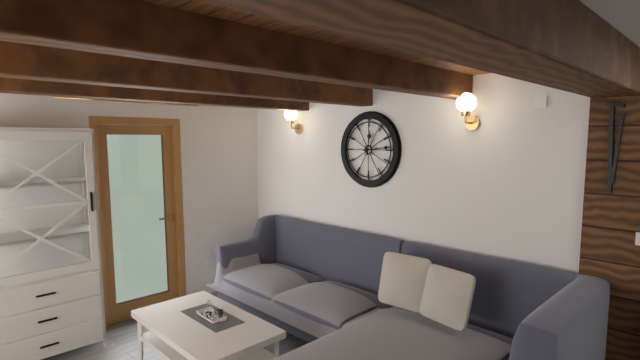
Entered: 12 h 14 min
